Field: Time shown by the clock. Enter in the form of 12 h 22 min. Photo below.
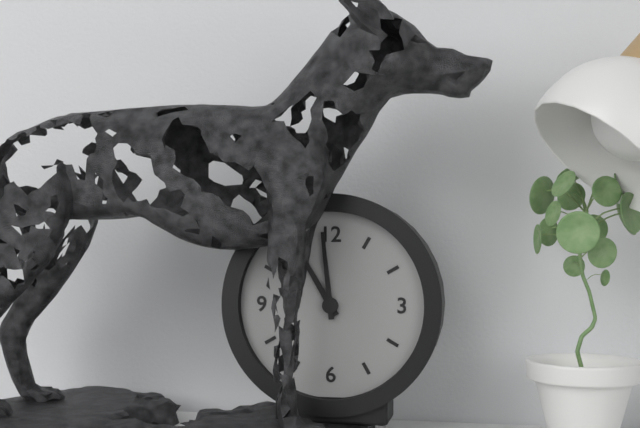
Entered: 10 h 59 min
